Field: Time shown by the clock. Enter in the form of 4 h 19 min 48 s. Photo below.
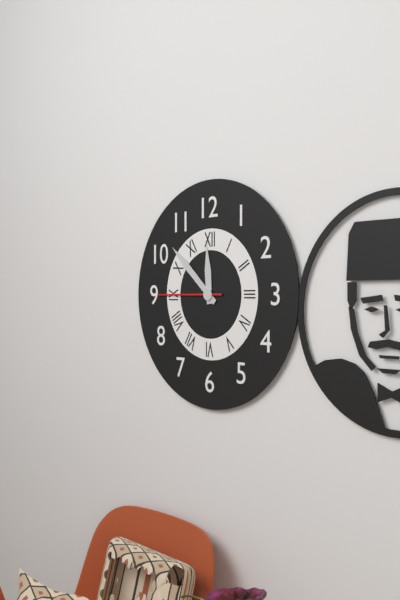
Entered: 11 h 52 min 45 s
